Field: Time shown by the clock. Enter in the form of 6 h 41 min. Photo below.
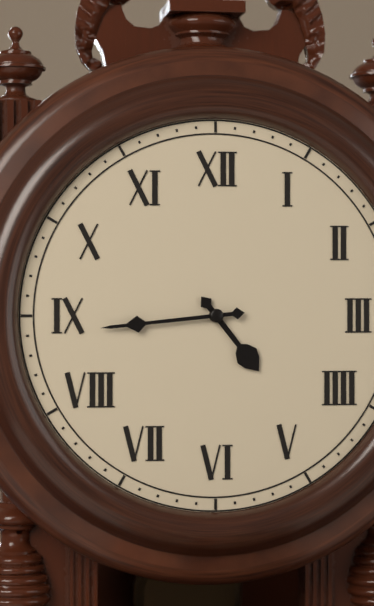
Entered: 4 h 44 min
